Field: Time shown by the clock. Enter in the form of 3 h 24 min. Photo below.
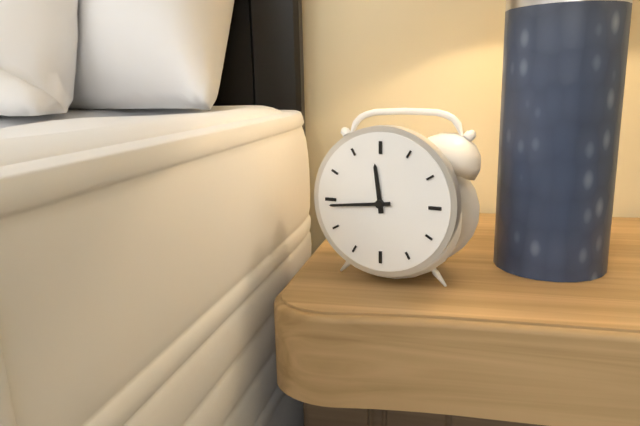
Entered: 11 h 44 min
